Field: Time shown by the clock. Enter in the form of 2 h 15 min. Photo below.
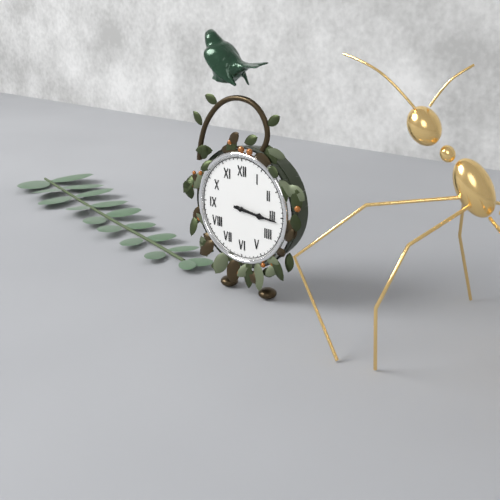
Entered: 3 h 16 min
